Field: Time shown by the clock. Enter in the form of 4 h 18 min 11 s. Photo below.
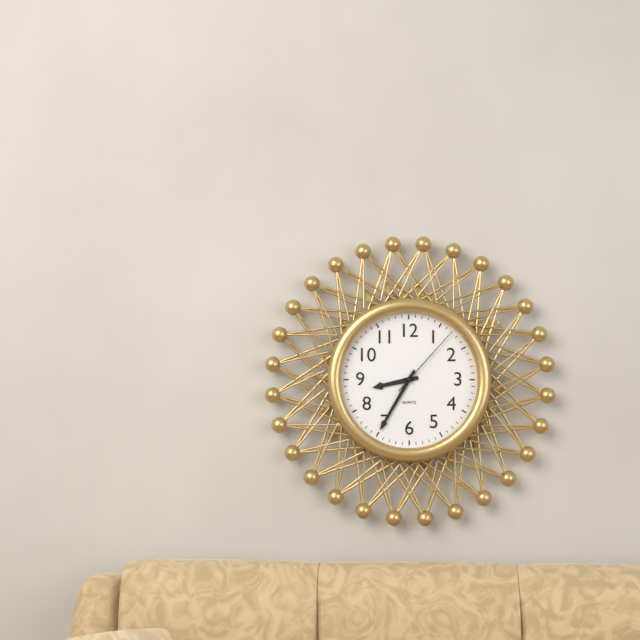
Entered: 8 h 35 min 07 s
